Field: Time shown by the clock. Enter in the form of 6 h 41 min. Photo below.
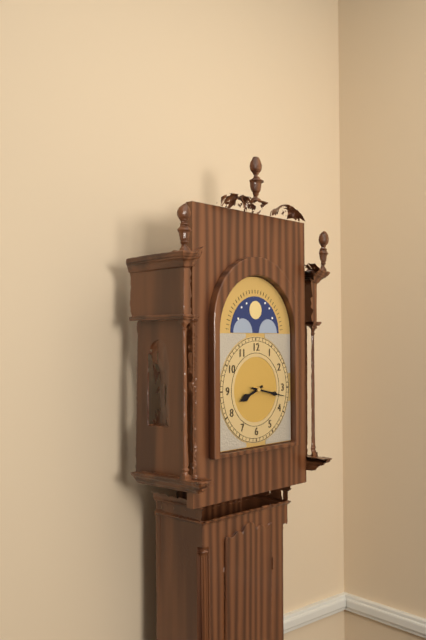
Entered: 8 h 17 min
